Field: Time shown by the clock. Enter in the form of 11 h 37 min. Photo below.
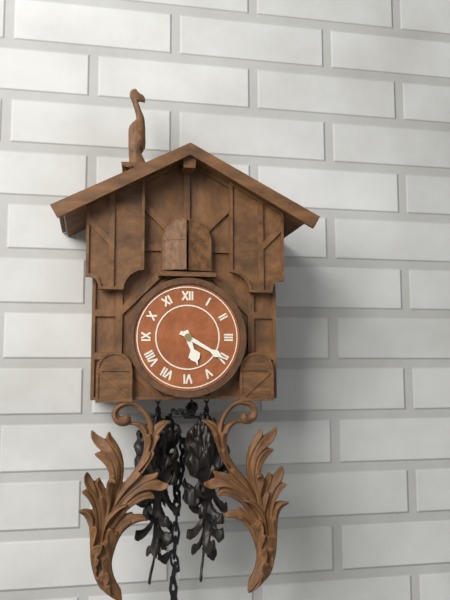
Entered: 5 h 20 min
